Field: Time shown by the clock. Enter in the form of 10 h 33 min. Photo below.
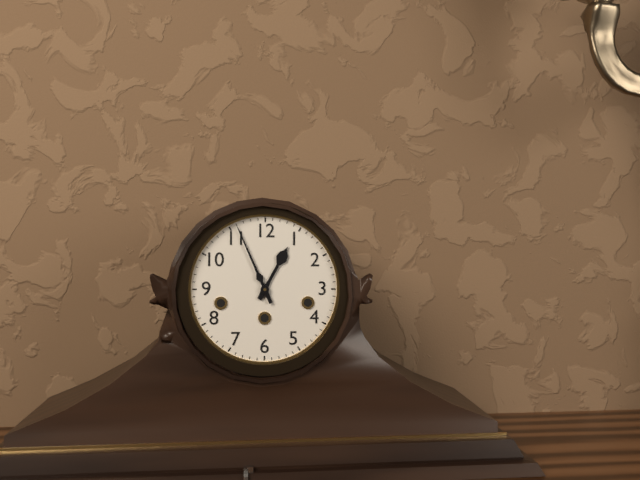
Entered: 12 h 56 min
